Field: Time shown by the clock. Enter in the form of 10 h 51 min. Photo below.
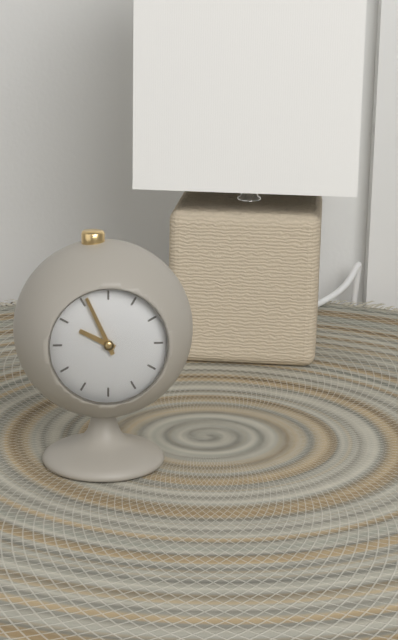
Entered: 9 h 56 min
